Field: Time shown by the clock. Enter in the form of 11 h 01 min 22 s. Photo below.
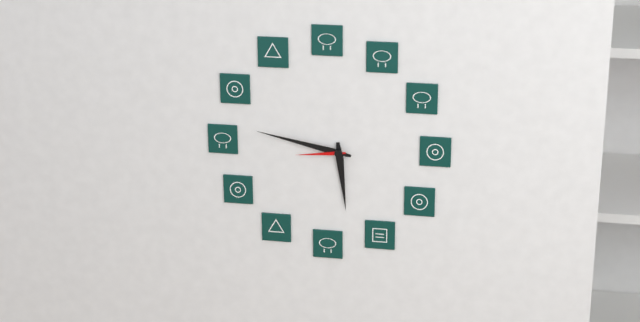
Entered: 5 h 47 min 44 s
